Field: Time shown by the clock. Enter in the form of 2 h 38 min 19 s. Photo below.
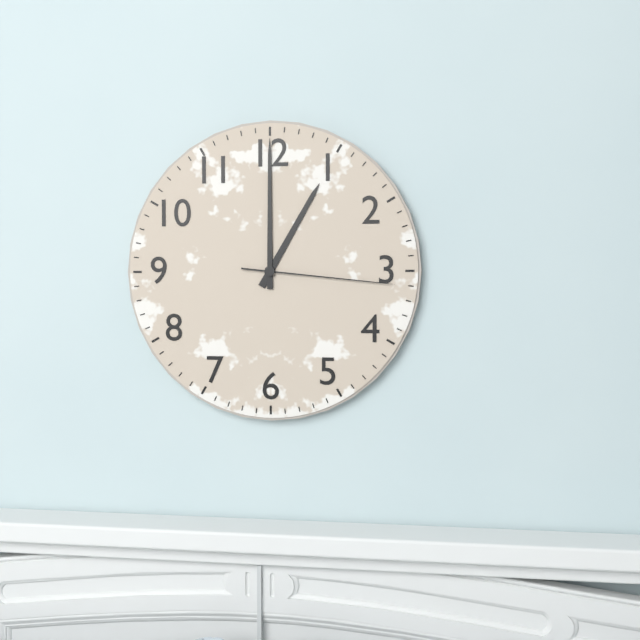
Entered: 1 h 00 min 16 s
